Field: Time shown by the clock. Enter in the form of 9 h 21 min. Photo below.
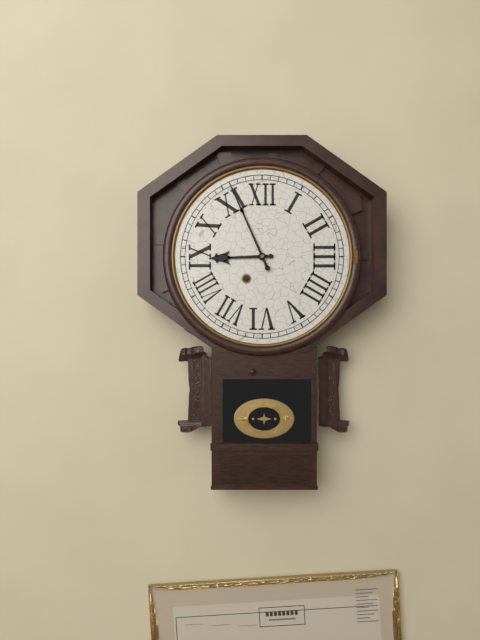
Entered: 8 h 56 min
